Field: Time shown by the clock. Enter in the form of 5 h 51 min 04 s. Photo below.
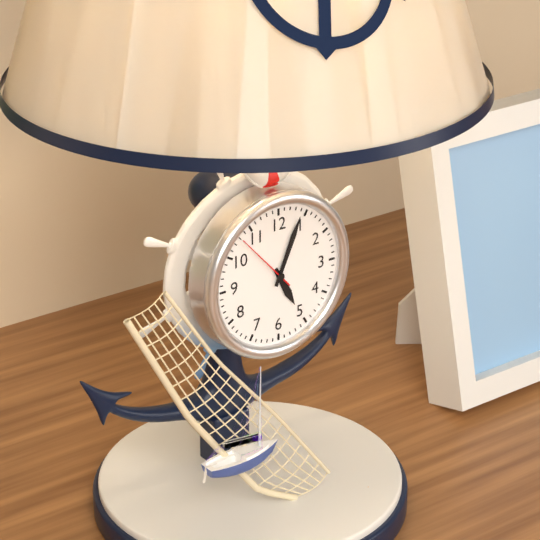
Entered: 5 h 04 min 53 s
